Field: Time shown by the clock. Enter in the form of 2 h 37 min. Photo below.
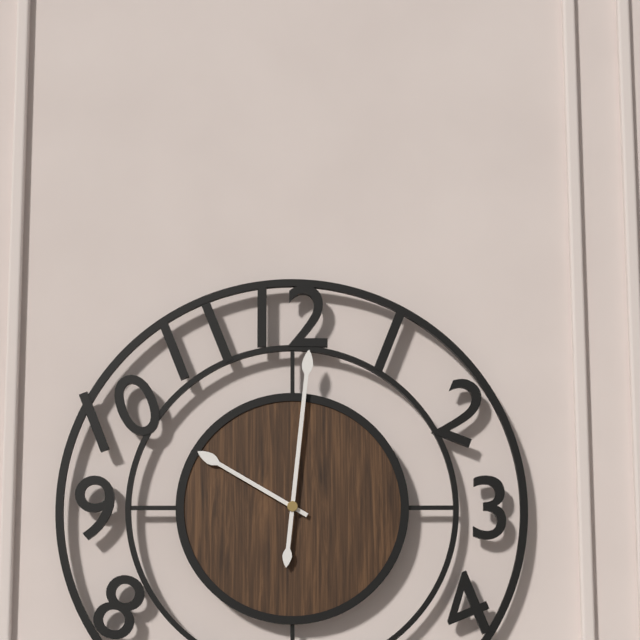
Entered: 10 h 01 min
